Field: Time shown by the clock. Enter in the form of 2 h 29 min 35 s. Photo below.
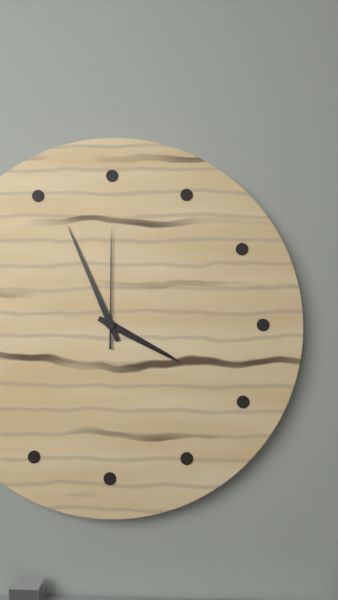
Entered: 3 h 56 min 00 s
